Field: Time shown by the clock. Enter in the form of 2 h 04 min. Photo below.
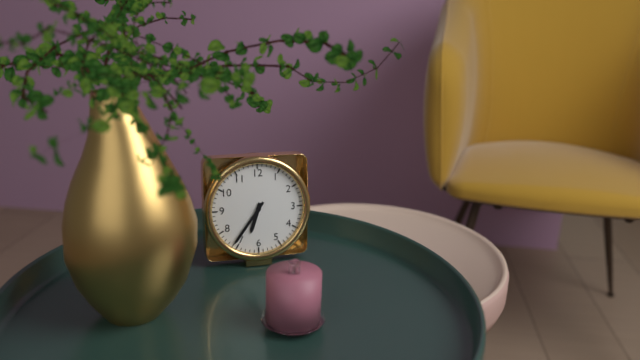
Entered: 6 h 36 min
